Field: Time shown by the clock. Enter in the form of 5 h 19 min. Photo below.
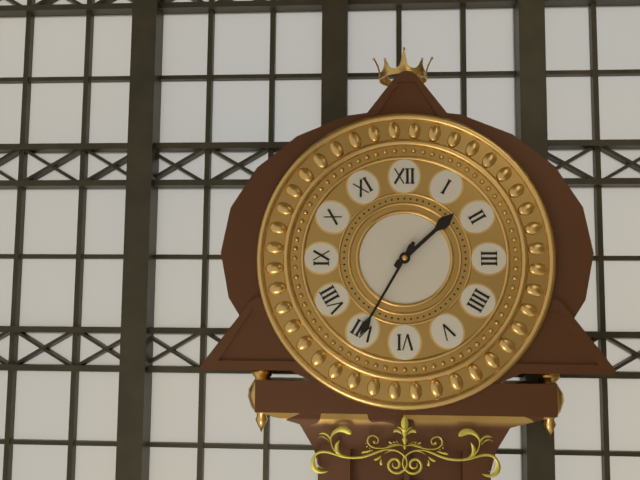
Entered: 1 h 35 min
